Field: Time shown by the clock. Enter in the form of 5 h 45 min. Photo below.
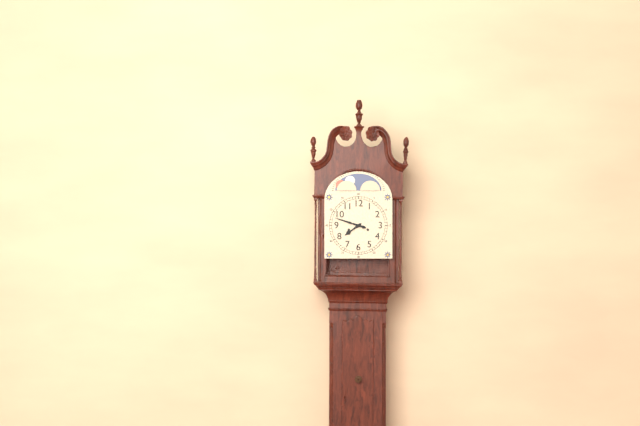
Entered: 7 h 48 min
